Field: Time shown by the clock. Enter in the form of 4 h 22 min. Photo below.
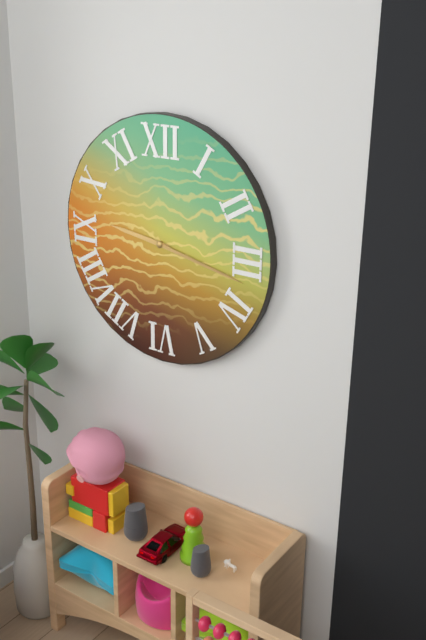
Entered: 9 h 17 min
